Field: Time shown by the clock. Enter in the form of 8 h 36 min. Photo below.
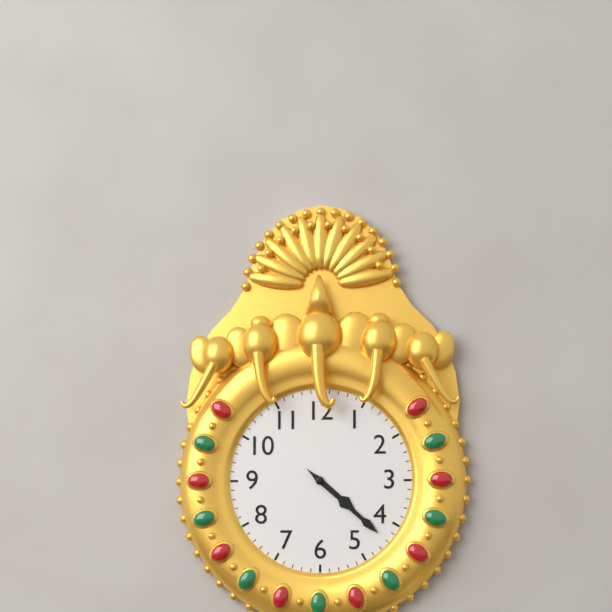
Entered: 4 h 22 min
